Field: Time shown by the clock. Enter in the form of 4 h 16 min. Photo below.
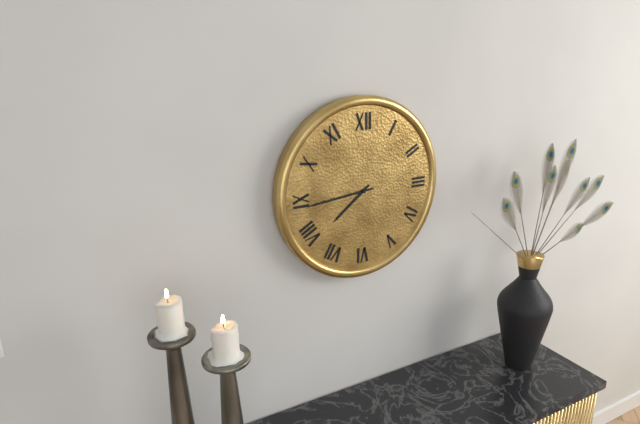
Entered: 7 h 44 min
